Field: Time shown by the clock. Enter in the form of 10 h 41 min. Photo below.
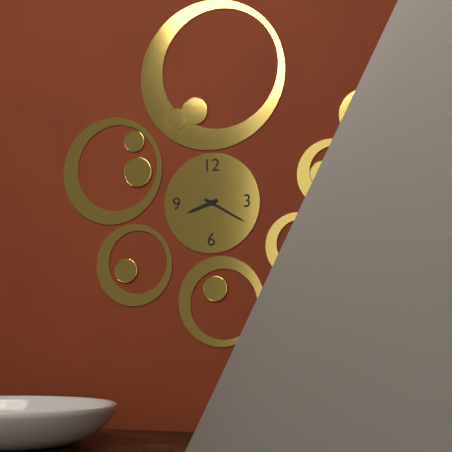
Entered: 8 h 20 min
